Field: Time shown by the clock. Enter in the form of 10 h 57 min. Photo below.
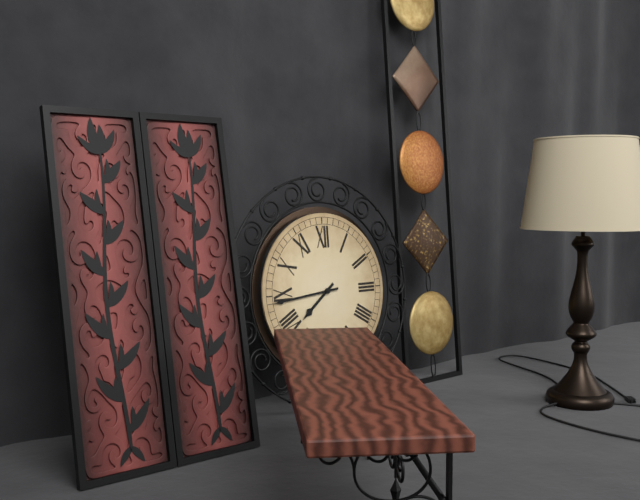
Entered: 7 h 44 min
